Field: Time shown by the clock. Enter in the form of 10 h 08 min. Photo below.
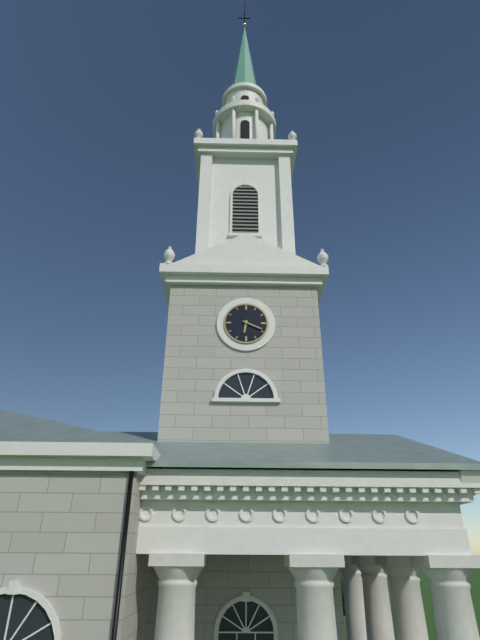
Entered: 6 h 19 min
